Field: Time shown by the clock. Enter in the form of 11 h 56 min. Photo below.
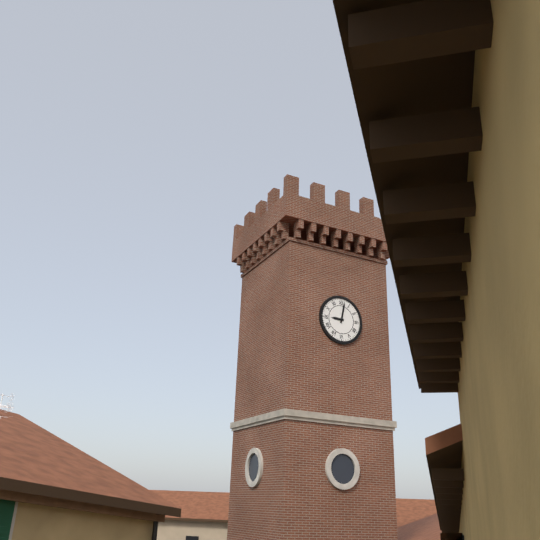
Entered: 9 h 02 min
